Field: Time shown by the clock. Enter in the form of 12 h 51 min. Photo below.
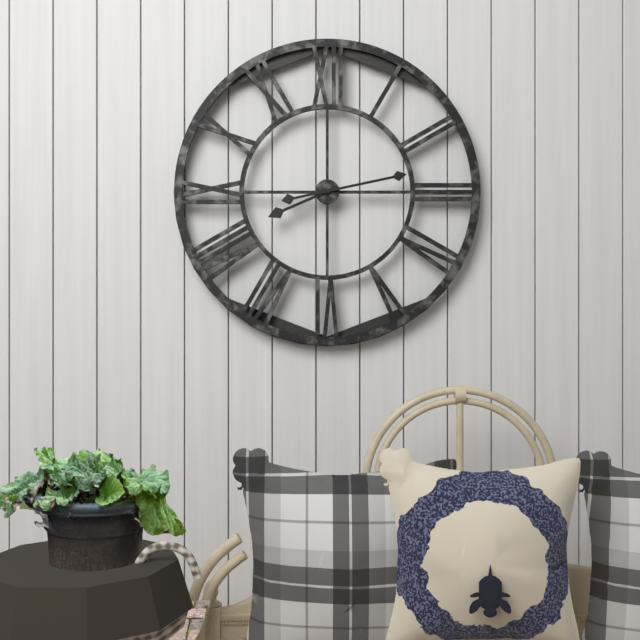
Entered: 8 h 13 min
